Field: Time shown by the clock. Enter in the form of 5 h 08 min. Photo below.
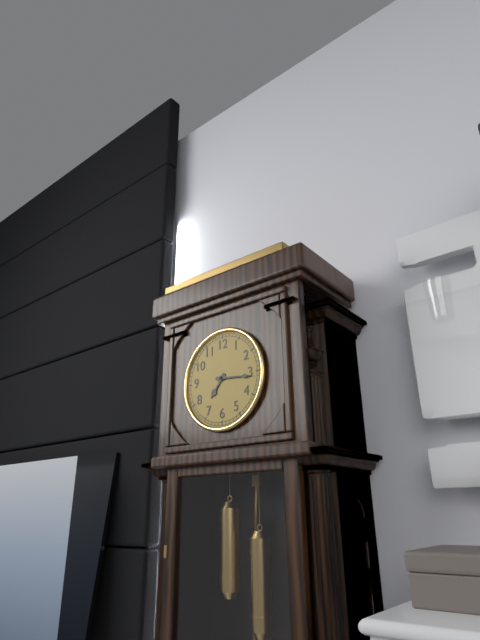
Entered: 7 h 16 min
